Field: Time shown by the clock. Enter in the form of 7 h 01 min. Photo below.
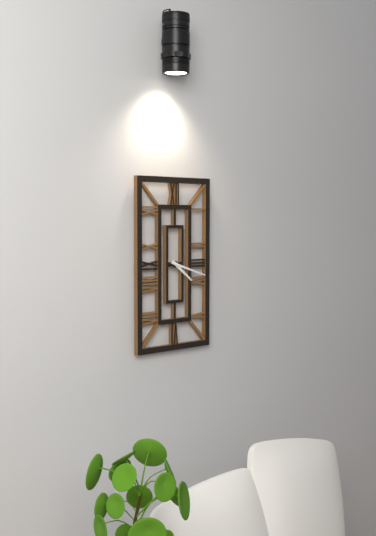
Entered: 4 h 18 min
